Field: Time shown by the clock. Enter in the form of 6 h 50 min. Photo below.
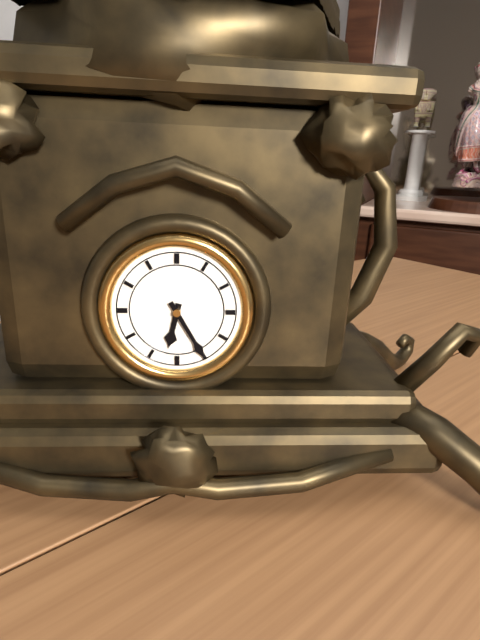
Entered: 6 h 25 min
